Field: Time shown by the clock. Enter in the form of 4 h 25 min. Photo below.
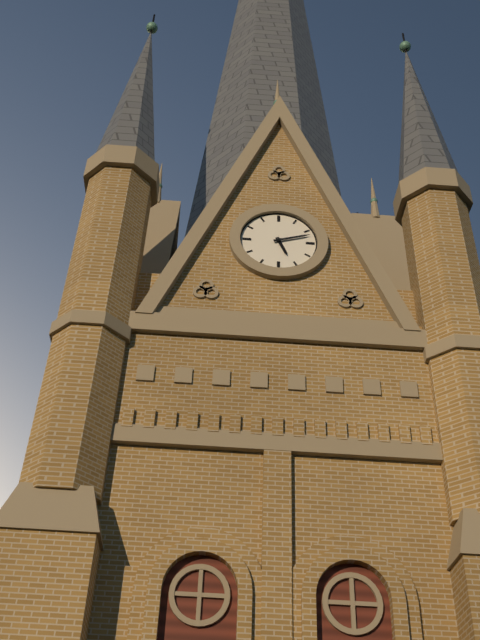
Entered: 5 h 12 min
